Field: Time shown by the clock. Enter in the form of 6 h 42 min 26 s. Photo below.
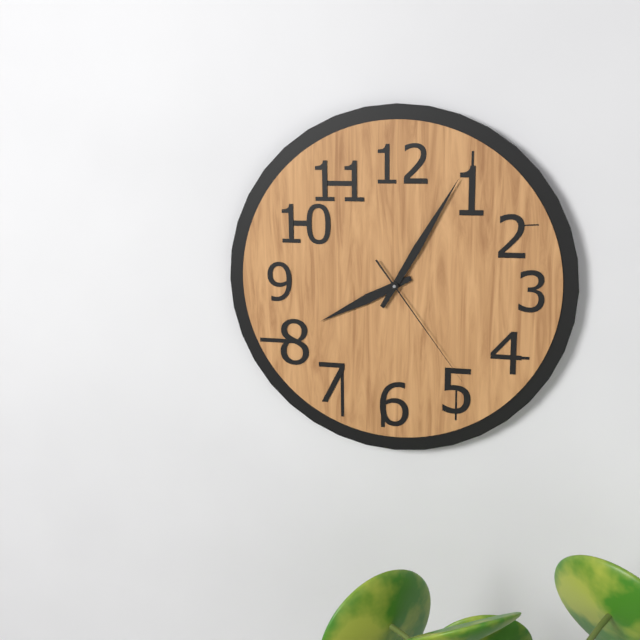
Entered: 8 h 05 min 24 s
